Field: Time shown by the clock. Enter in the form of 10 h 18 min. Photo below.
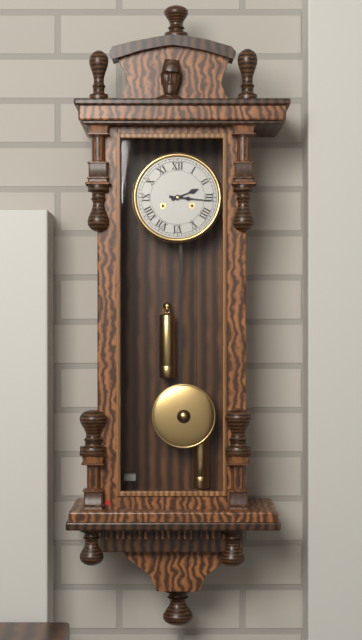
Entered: 2 h 16 min
